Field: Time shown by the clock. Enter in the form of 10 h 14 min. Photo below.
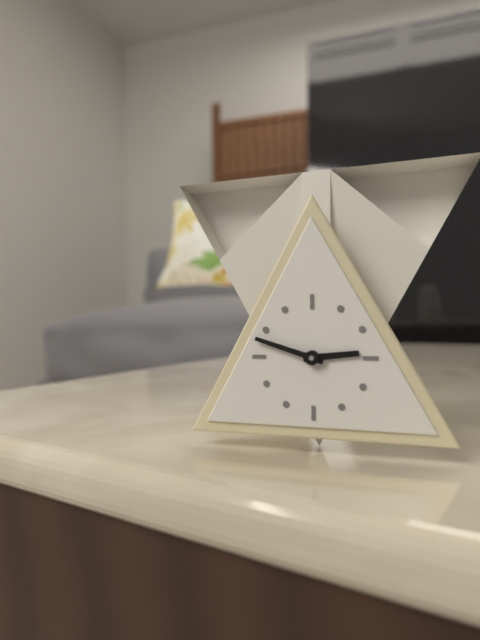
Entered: 2 h 48 min
